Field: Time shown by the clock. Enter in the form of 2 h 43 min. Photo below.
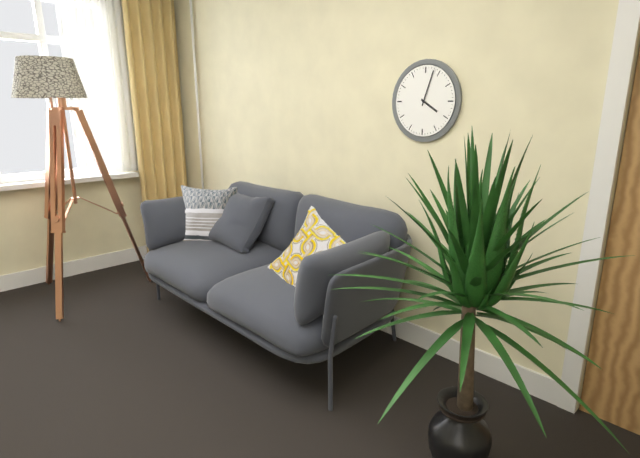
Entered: 4 h 03 min
